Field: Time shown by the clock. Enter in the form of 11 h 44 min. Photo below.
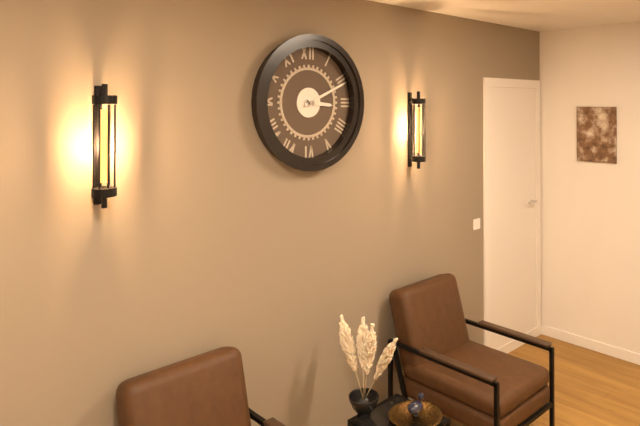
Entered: 3 h 11 min
